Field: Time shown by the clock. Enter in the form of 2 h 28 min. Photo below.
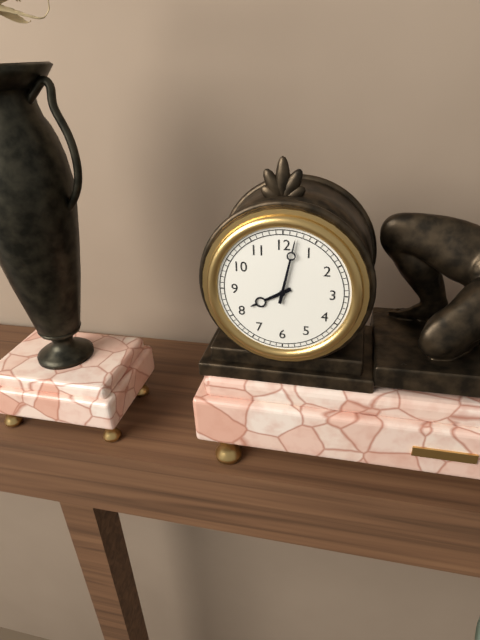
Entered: 8 h 02 min
